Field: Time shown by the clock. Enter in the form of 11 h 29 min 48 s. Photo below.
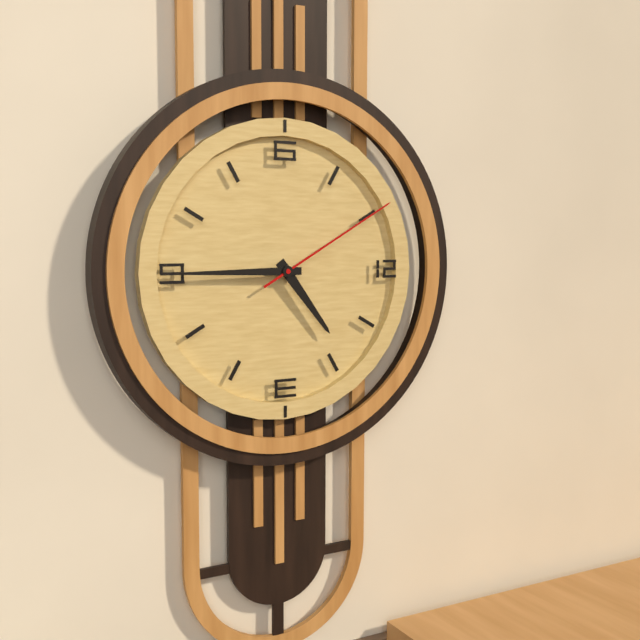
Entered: 4 h 45 min 10 s
